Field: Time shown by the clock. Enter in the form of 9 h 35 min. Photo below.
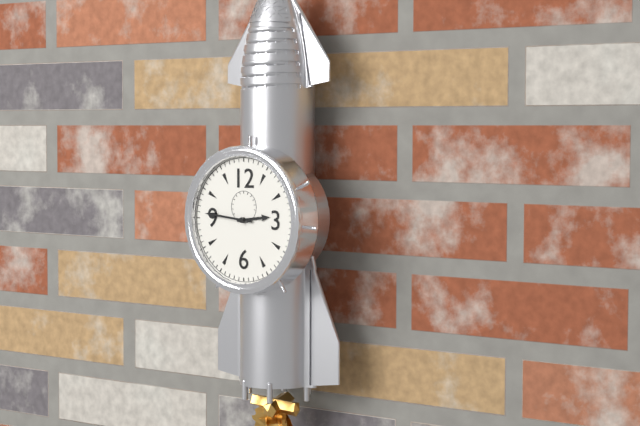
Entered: 2 h 46 min
